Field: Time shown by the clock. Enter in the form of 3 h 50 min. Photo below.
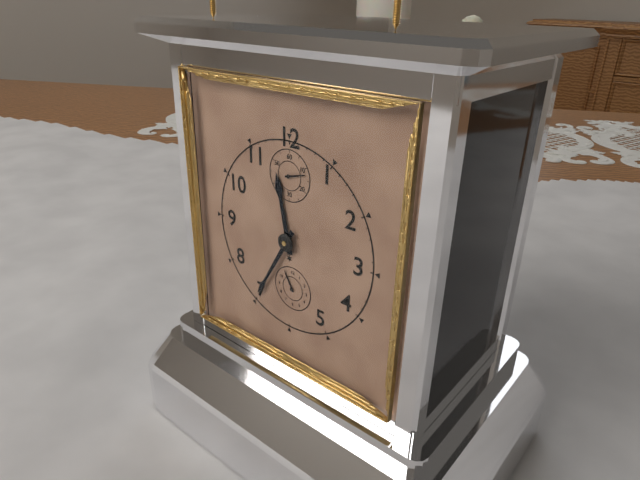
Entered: 11 h 35 min
